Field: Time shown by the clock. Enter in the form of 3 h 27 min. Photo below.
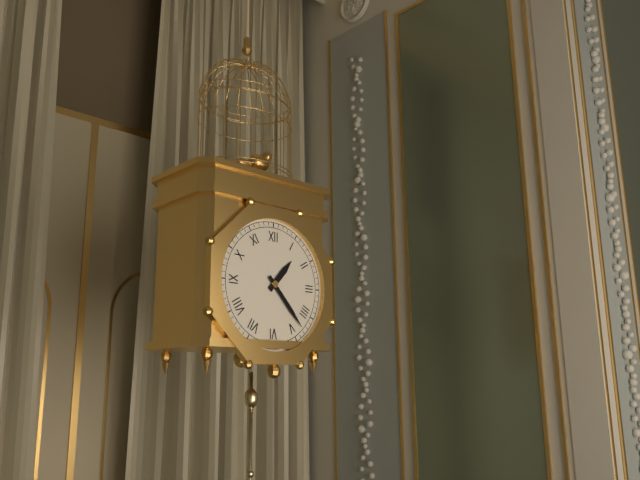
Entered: 1 h 23 min
